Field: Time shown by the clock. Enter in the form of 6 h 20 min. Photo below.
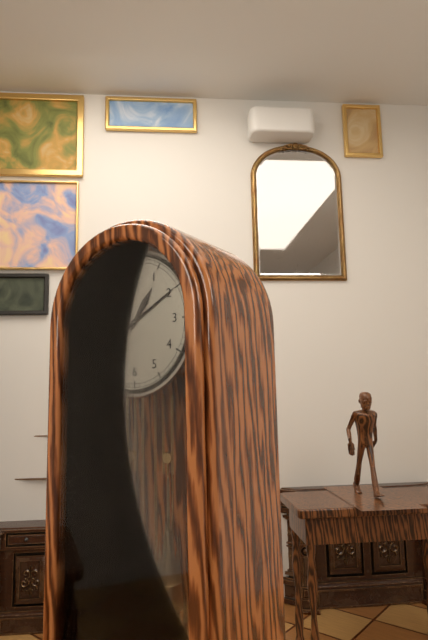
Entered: 1 h 10 min
